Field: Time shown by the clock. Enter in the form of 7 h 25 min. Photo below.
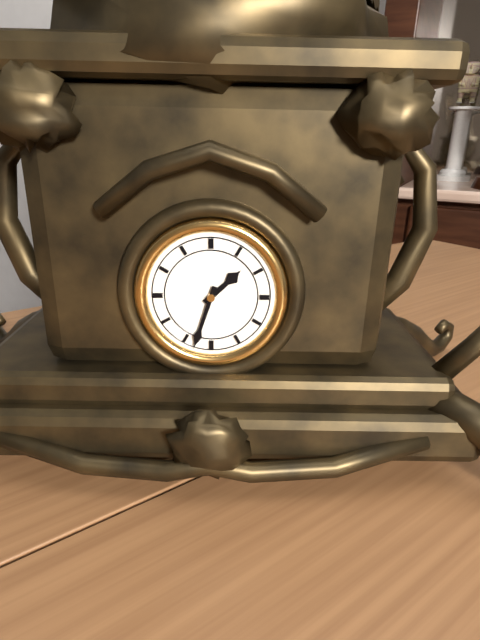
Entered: 1 h 33 min
